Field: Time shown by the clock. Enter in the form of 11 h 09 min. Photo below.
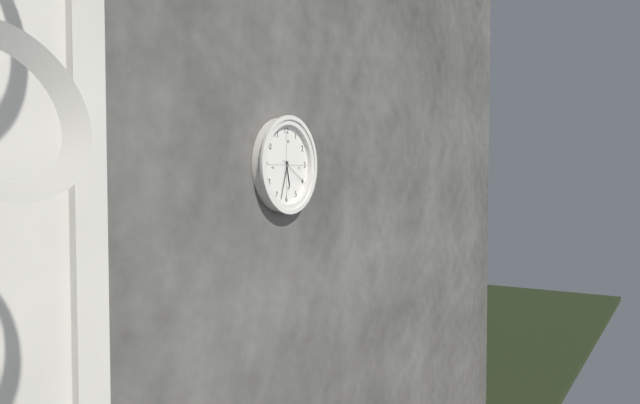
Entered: 5 h 33 min
